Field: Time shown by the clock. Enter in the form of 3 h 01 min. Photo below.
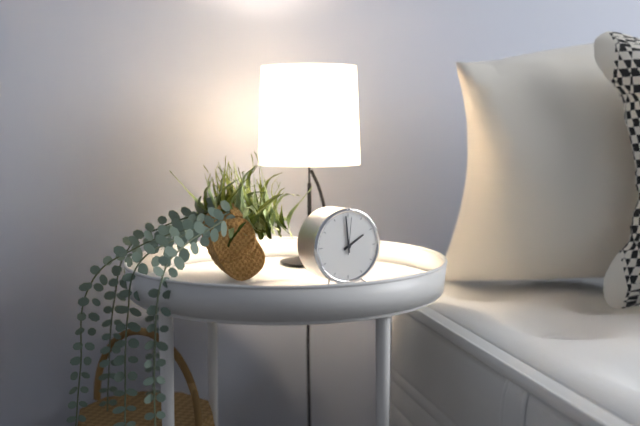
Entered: 1 h 59 min
